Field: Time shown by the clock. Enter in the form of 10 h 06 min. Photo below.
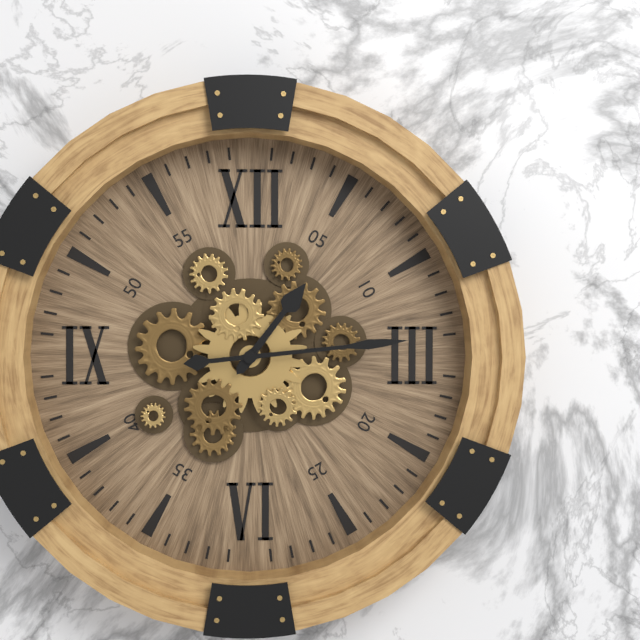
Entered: 1 h 14 min
